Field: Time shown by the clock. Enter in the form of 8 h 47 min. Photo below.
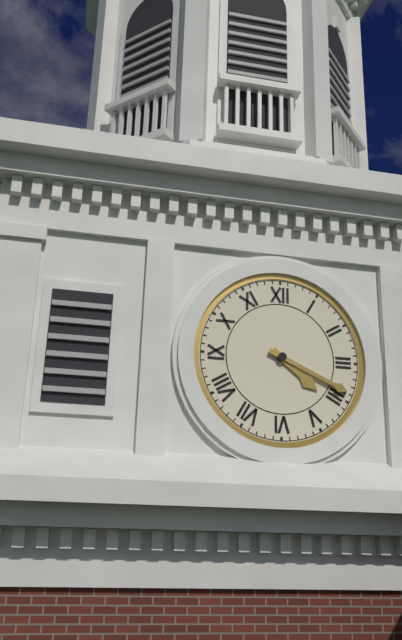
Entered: 4 h 19 min
